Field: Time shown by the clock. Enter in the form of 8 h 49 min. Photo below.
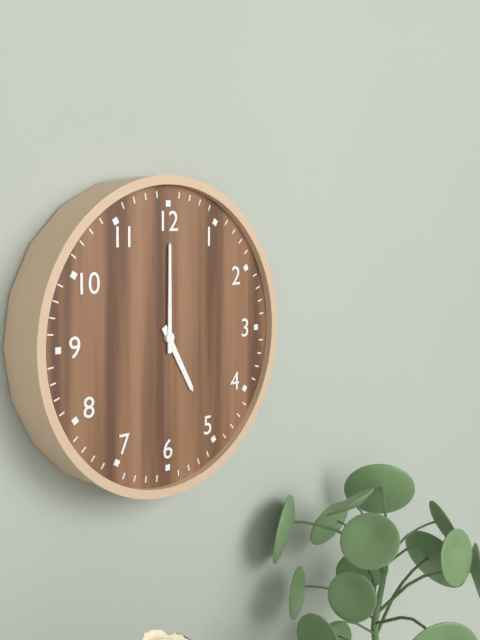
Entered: 5 h 00 min
